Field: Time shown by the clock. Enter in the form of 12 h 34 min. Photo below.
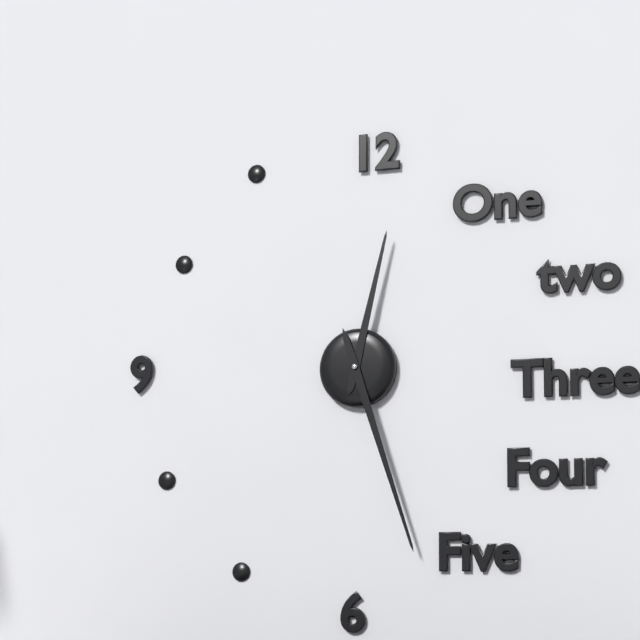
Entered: 12 h 27 min
